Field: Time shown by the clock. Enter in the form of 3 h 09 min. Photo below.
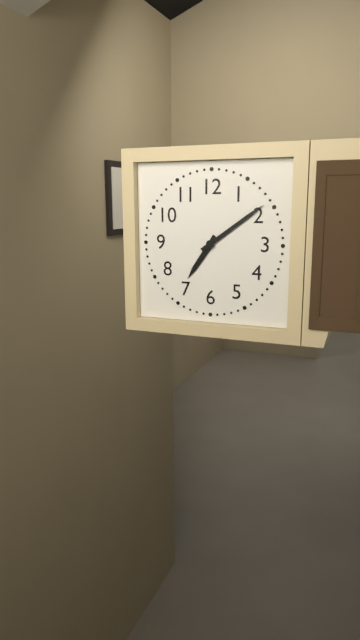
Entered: 7 h 09 min
